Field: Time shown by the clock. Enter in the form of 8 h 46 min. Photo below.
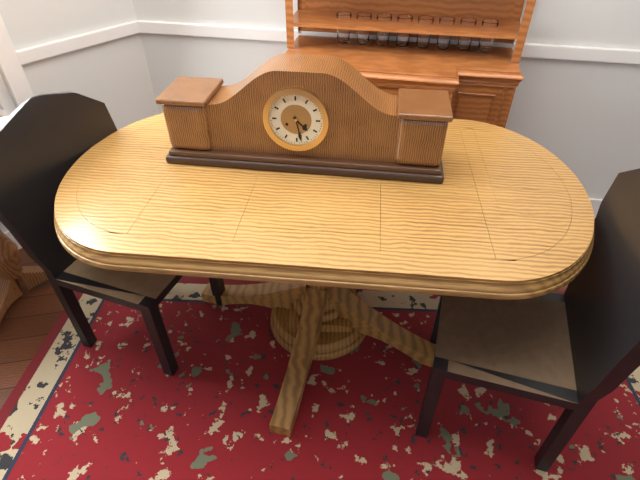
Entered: 4 h 28 min
